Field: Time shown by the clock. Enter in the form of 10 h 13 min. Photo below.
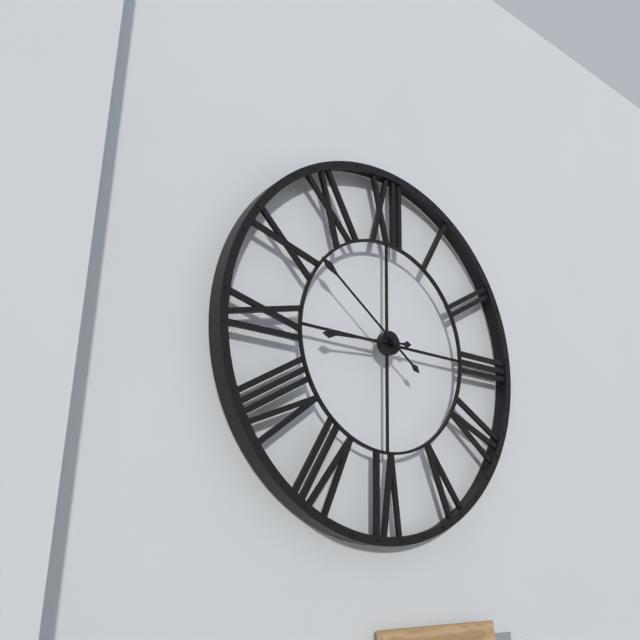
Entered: 8 h 51 min
